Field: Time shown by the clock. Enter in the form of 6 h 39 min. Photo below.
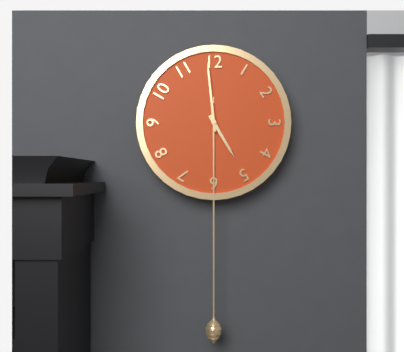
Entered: 4 h 59 min
